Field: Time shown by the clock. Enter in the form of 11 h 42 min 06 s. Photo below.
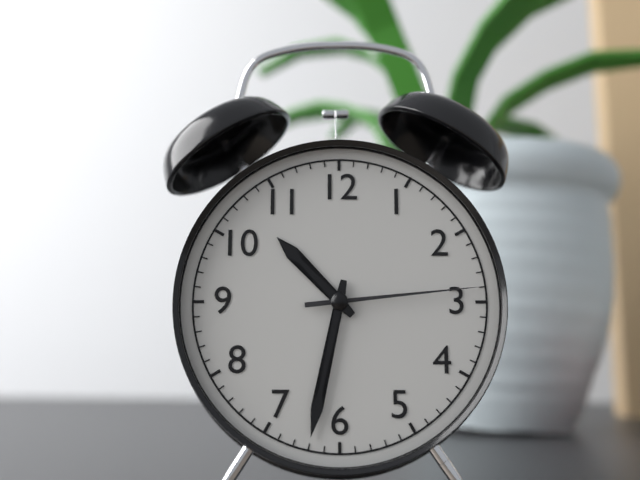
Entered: 10 h 32 min 14 s
